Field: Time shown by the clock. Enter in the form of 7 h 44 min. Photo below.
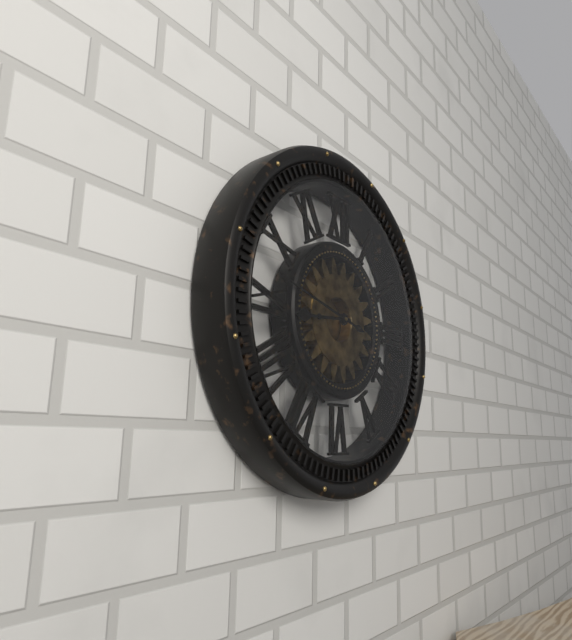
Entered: 8 h 47 min
